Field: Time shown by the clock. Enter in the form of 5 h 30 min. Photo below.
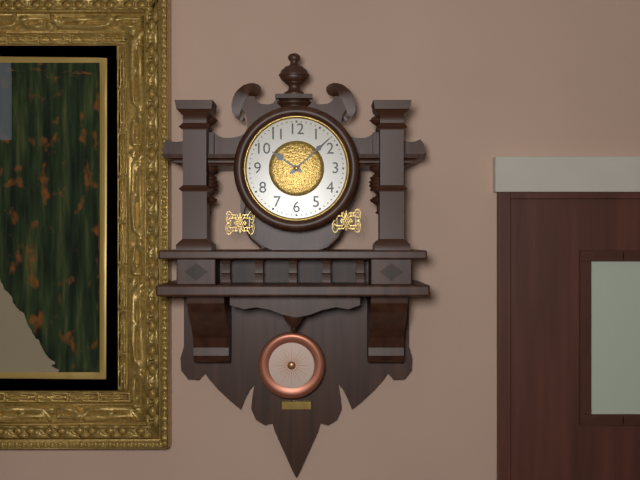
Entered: 10 h 08 min
